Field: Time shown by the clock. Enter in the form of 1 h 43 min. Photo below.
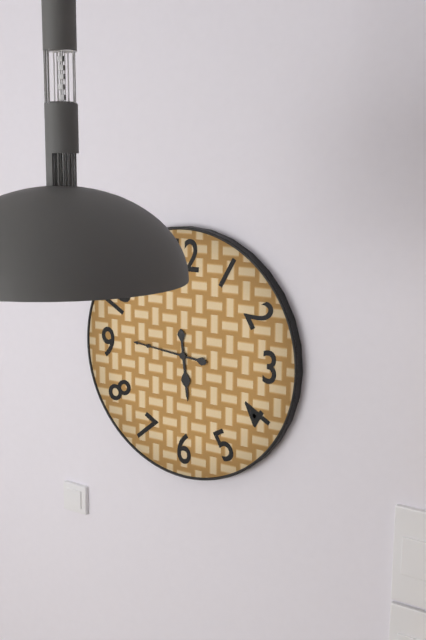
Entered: 5 h 46 min
